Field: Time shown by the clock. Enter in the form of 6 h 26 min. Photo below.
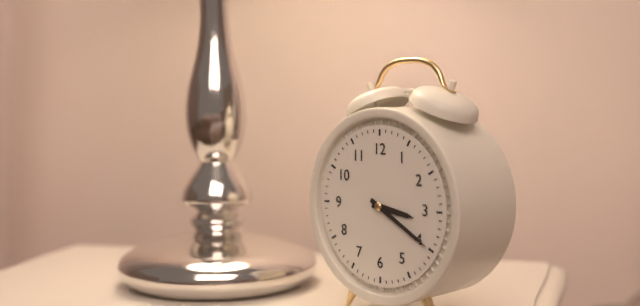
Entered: 3 h 20 min
